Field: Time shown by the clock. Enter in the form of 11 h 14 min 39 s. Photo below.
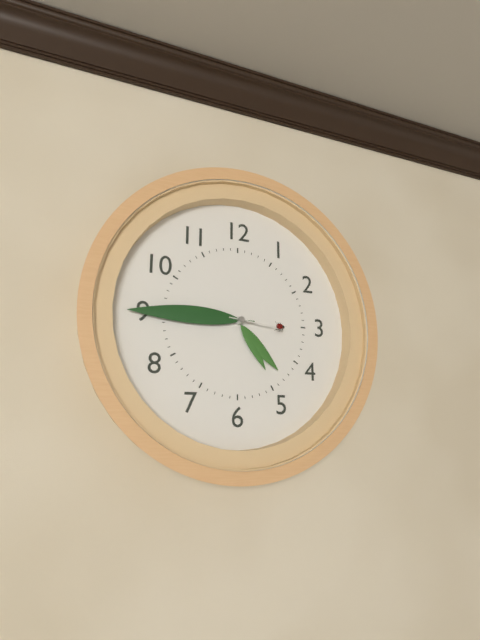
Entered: 4 h 45 min 16 s
